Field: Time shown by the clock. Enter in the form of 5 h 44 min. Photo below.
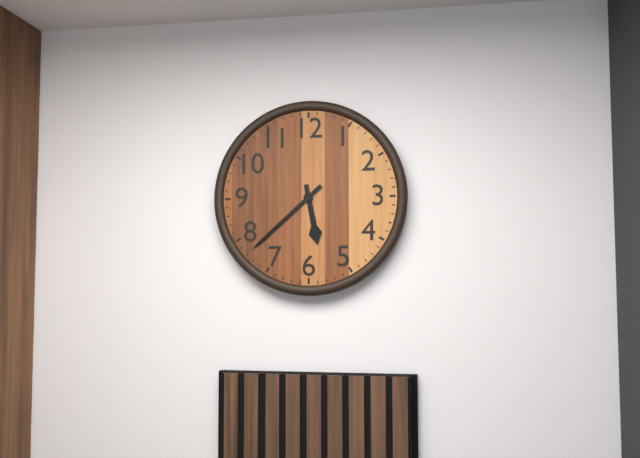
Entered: 5 h 38 min
